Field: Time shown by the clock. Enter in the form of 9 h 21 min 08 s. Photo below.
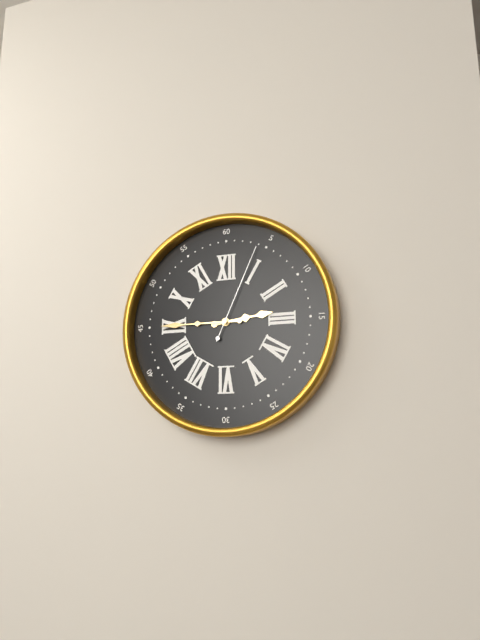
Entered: 2 h 45 min 04 s
